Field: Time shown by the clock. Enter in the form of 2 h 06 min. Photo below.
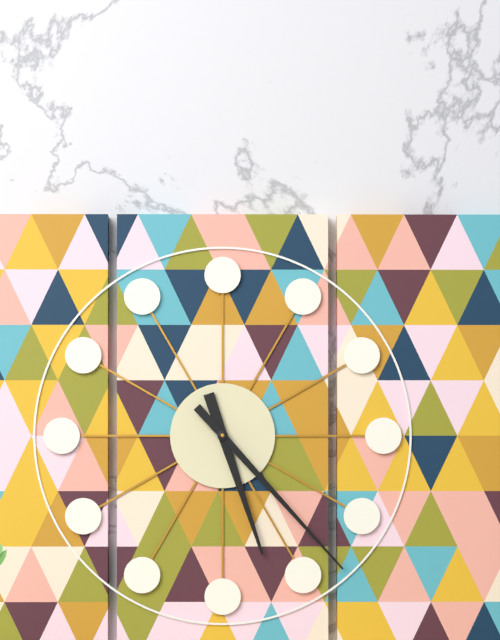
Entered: 5 h 23 min
